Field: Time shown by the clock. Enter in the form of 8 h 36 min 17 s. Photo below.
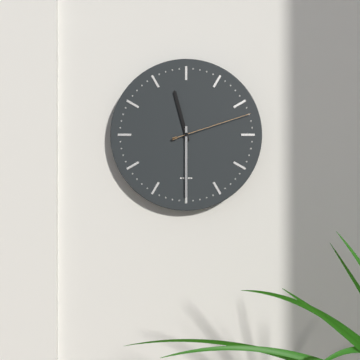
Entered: 11 h 30 min 12 s
